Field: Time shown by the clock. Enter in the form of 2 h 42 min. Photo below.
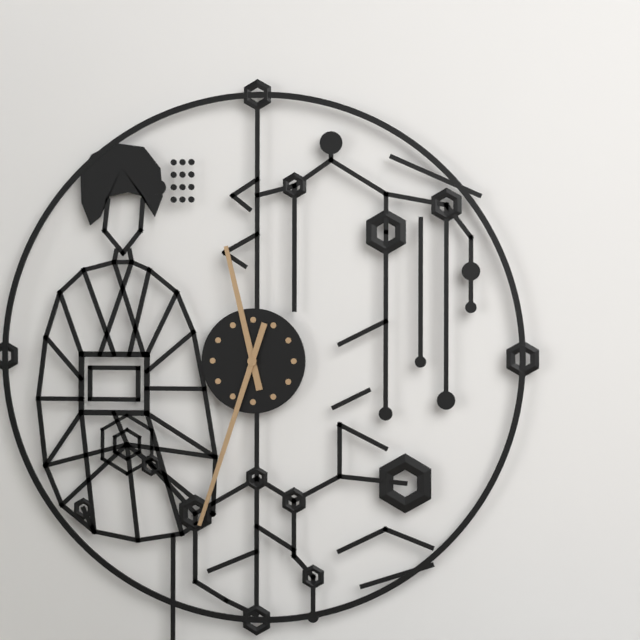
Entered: 11 h 33 min
